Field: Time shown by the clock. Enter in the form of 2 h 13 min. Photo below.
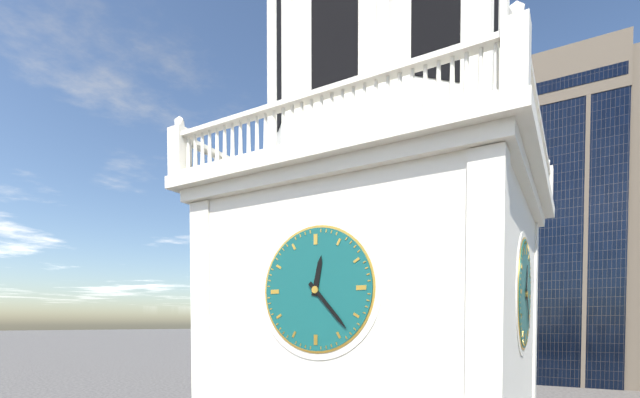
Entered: 12 h 23 min
